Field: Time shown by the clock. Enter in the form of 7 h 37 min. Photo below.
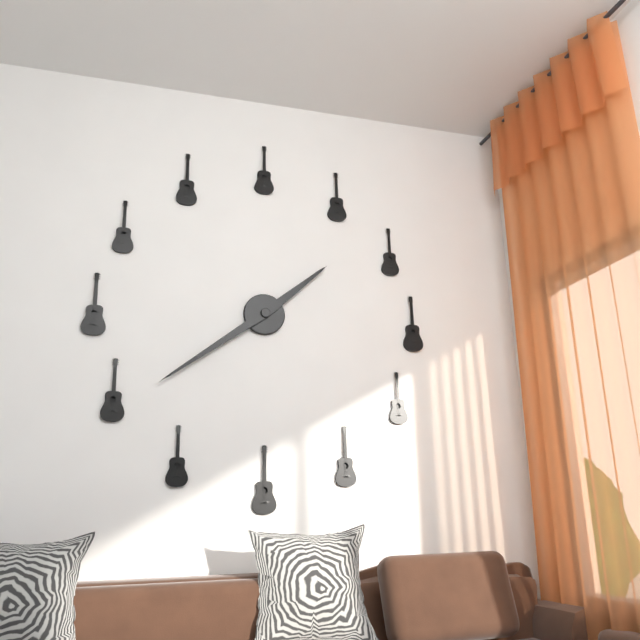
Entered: 1 h 39 min
